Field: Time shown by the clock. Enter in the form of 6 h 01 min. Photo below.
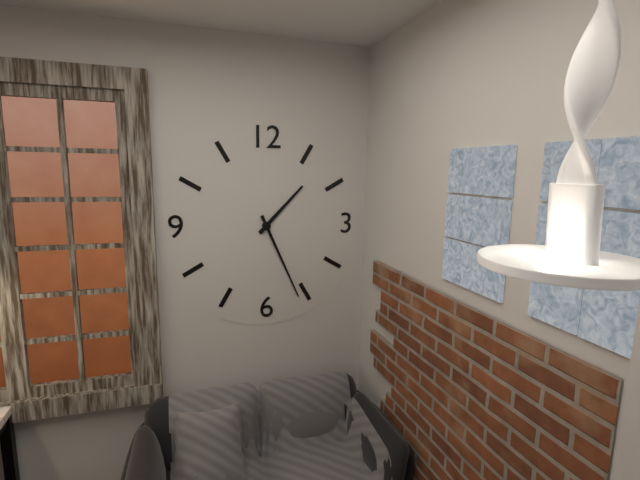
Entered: 1 h 26 min
